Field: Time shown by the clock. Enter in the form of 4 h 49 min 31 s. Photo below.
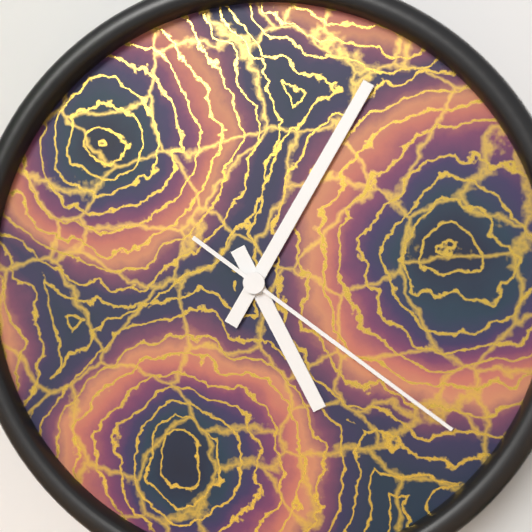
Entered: 5 h 05 min 21 s
